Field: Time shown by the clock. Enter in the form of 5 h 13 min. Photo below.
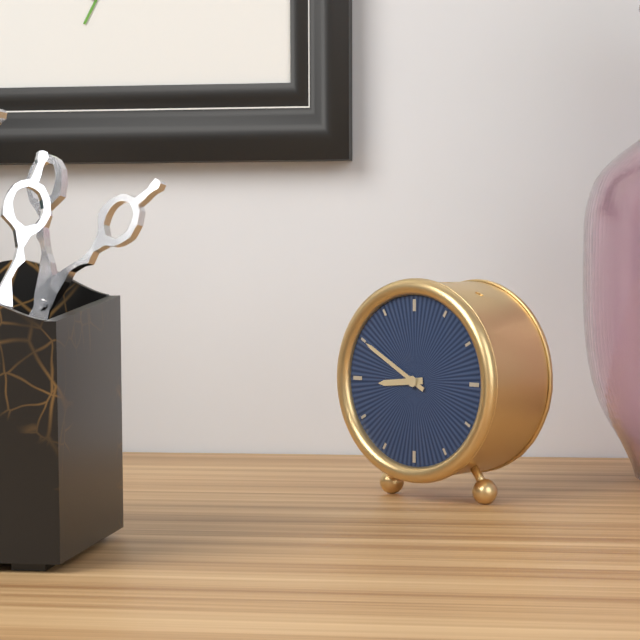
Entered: 8 h 50 min
